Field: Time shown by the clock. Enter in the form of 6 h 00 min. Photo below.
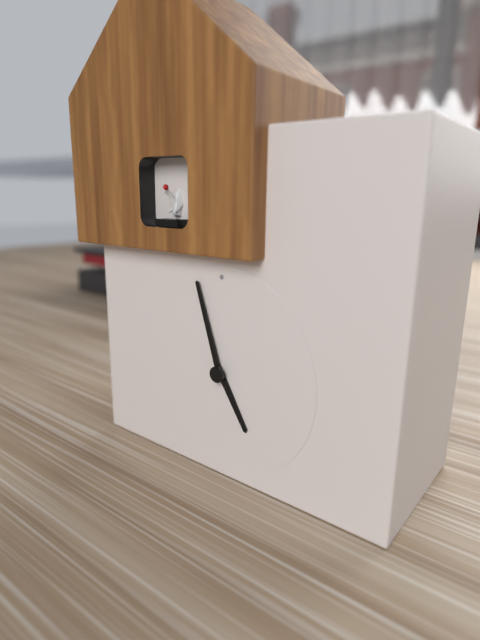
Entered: 4 h 57 min
